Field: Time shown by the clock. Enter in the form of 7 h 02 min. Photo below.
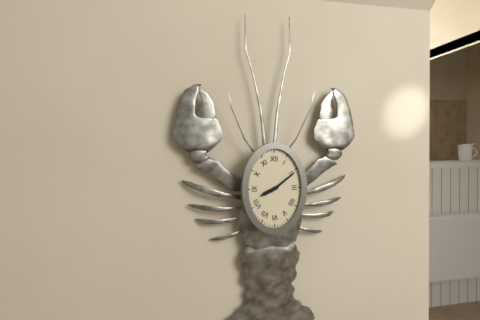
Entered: 8 h 09 min
